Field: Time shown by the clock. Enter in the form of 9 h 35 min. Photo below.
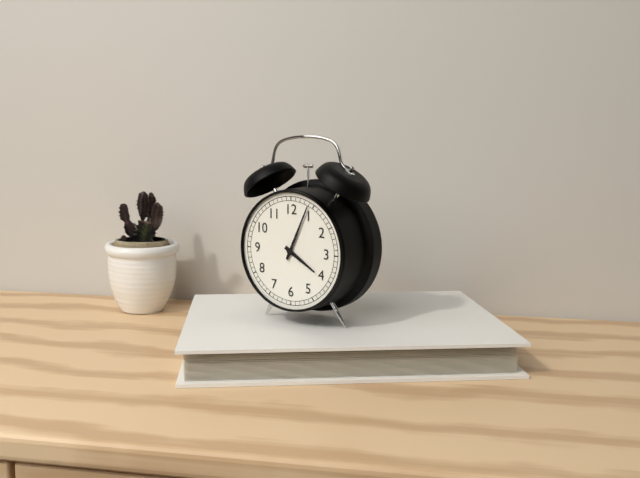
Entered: 4 h 04 min
